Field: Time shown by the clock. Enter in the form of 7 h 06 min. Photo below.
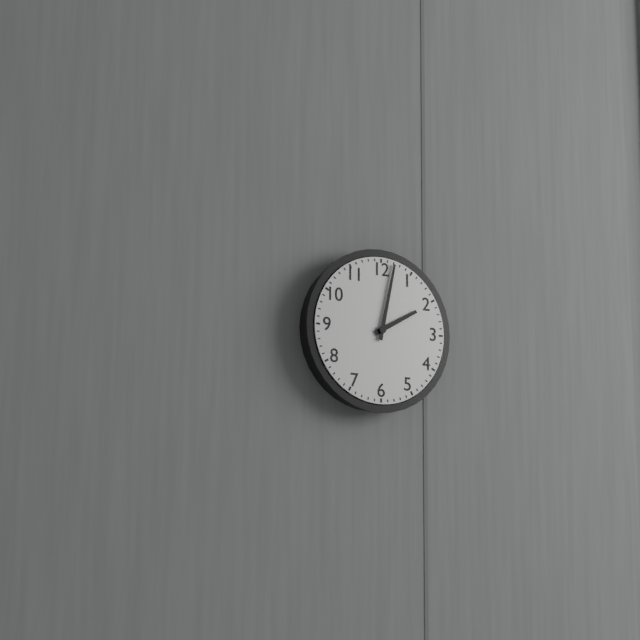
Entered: 2 h 02 min
